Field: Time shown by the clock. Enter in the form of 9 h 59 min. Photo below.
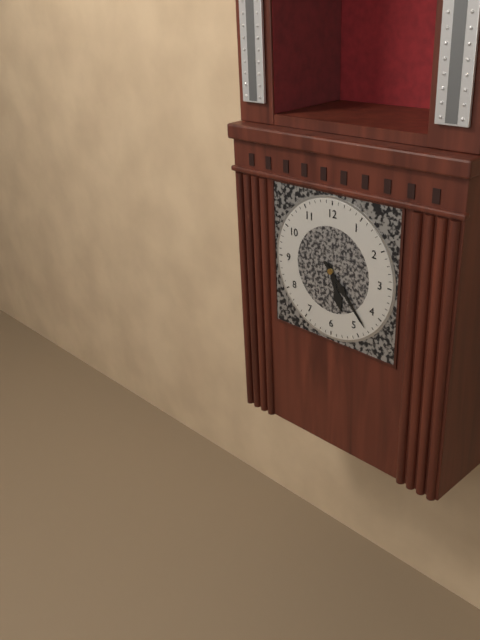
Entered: 5 h 23 min
